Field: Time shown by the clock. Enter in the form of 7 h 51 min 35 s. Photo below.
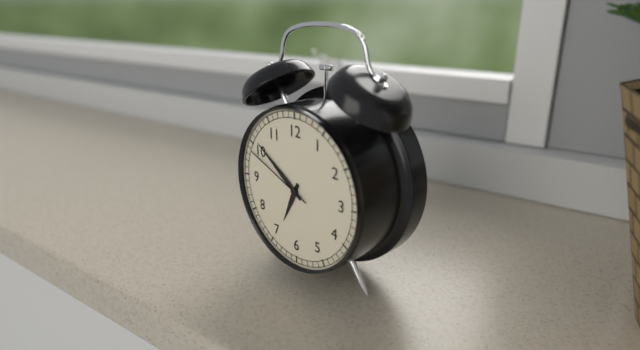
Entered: 6 h 51 min 49 s
